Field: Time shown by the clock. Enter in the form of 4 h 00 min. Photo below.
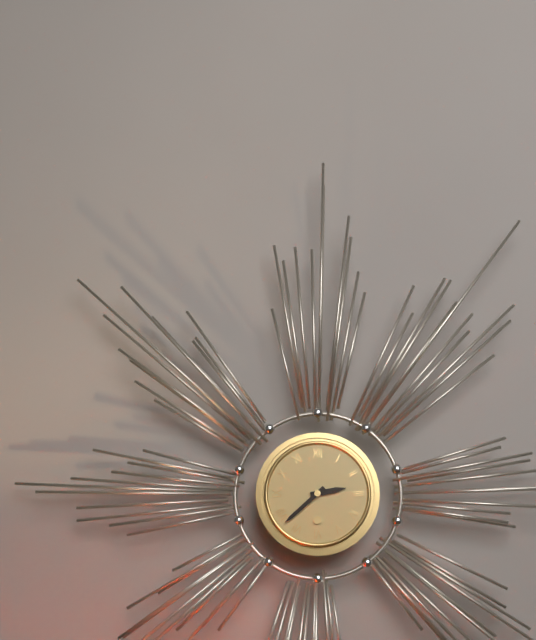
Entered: 2 h 38 min
